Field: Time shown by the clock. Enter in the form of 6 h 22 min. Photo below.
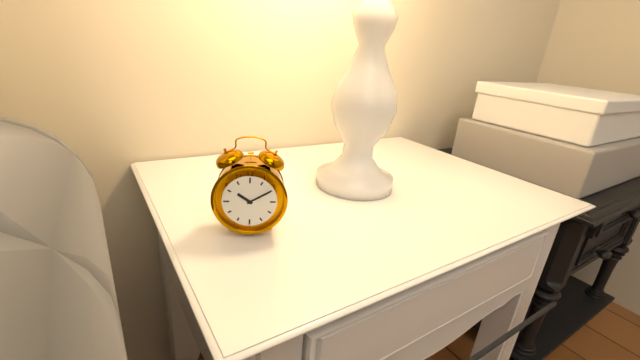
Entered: 10 h 10 min
